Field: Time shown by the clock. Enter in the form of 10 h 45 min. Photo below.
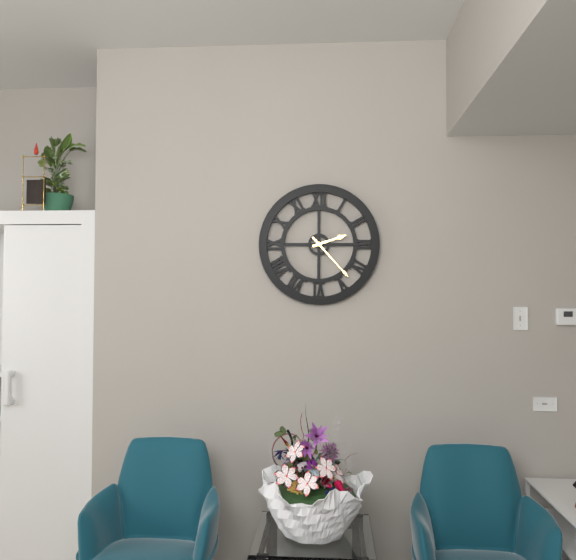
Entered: 2 h 23 min
